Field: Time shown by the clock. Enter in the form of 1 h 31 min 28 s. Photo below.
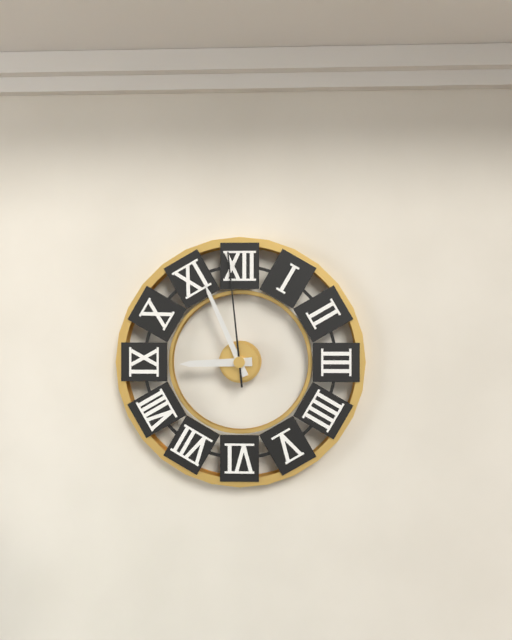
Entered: 8 h 56 min 59 s
